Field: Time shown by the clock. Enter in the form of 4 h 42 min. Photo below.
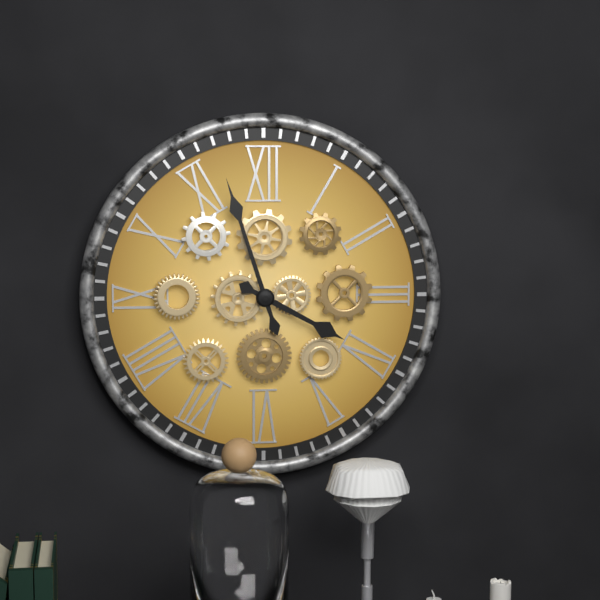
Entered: 3 h 57 min
